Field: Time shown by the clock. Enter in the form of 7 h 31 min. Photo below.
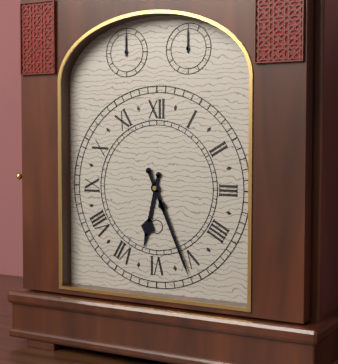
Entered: 6 h 26 min
